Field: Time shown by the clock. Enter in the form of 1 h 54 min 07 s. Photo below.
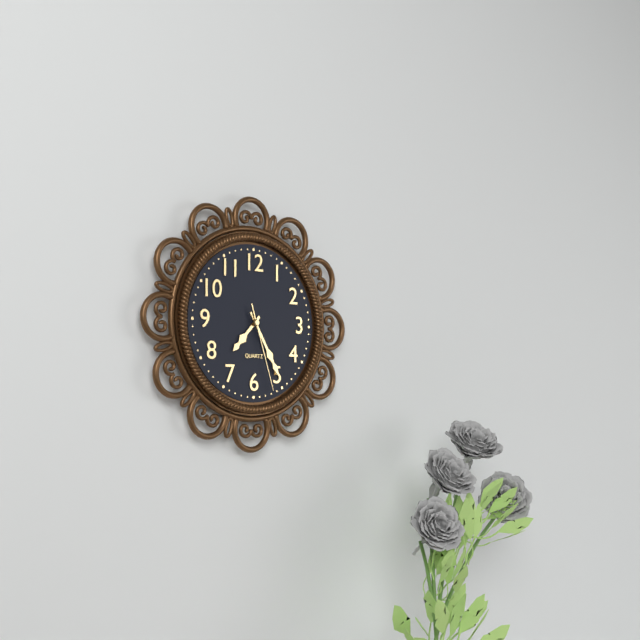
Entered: 7 h 25 min 27 s
